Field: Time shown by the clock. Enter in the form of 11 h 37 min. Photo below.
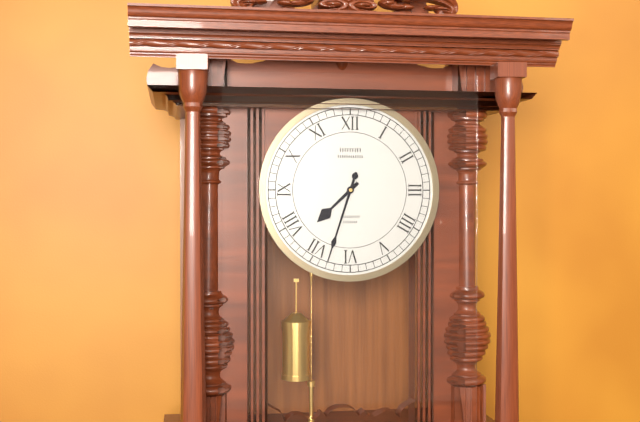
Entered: 7 h 33 min
